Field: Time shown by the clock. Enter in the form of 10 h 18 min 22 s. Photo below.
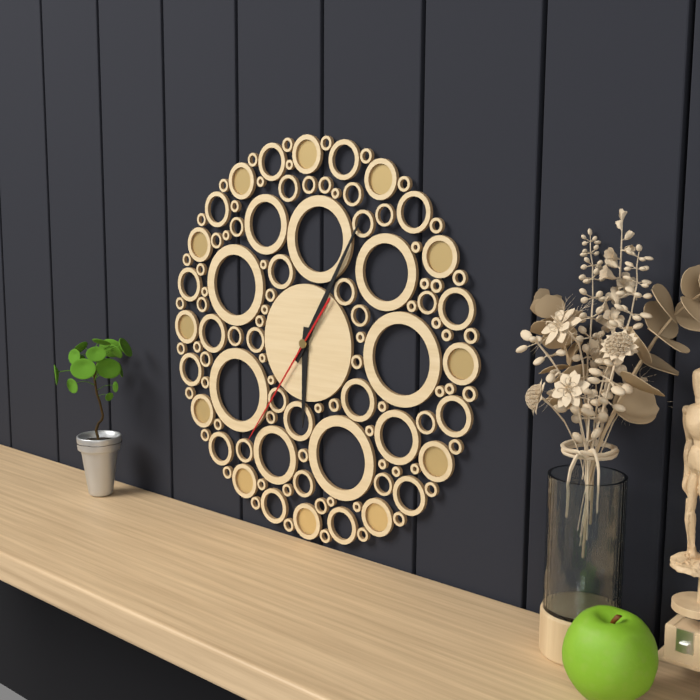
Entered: 6 h 05 min 36 s
